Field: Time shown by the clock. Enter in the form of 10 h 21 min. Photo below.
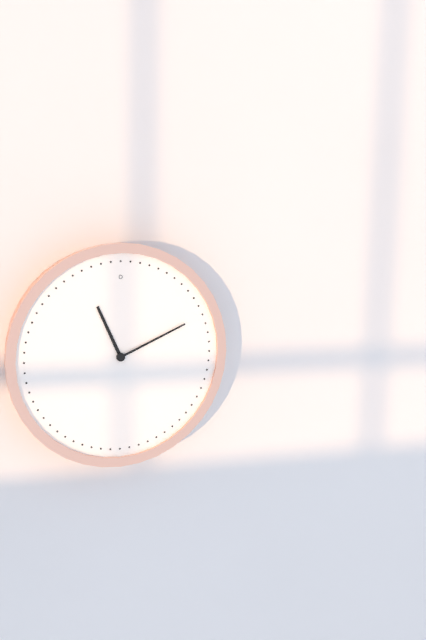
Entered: 11 h 11 min
